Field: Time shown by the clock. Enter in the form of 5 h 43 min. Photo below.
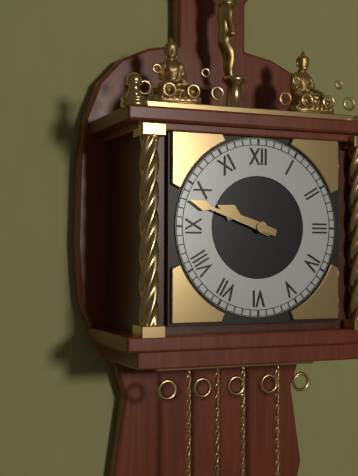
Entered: 9 h 48 min
